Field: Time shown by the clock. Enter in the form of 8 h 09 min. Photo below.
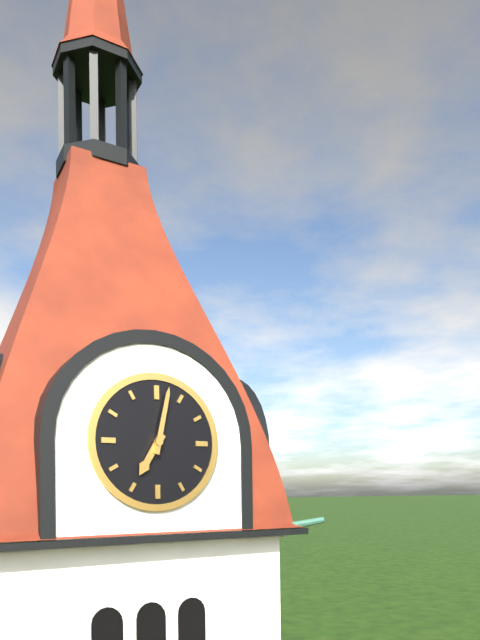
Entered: 7 h 02 min
